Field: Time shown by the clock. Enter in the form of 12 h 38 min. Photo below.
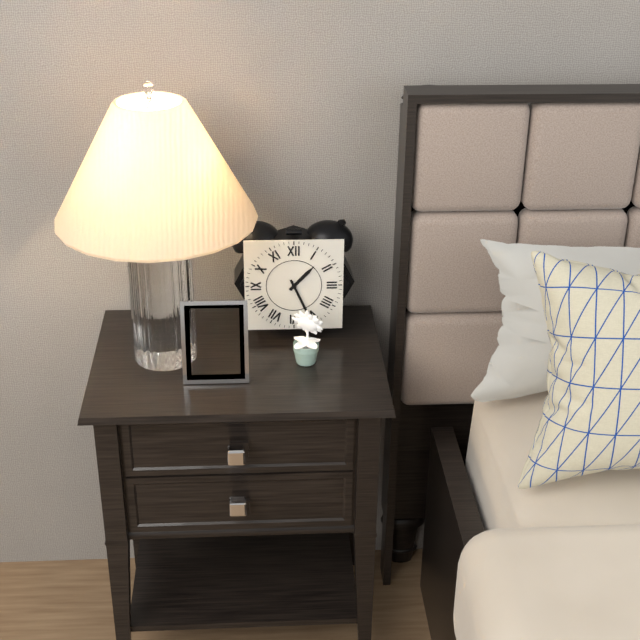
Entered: 1 h 26 min
